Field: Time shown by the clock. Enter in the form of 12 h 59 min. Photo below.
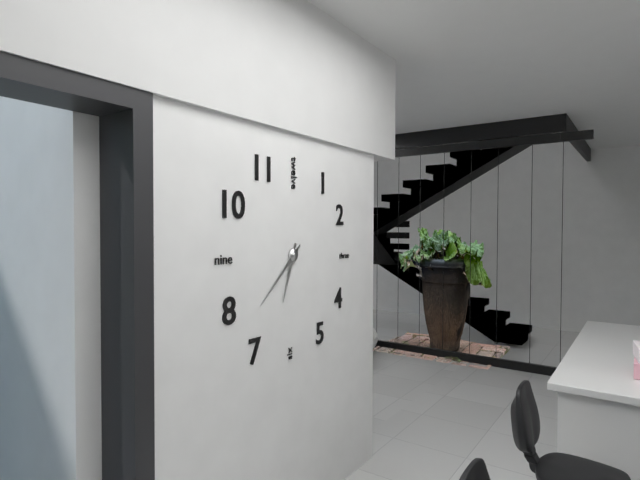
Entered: 6 h 38 min
